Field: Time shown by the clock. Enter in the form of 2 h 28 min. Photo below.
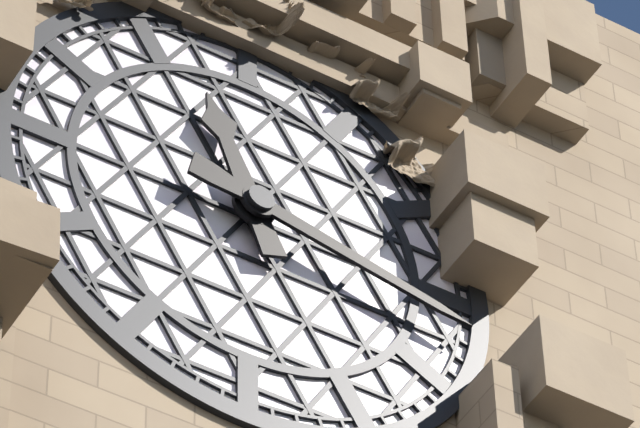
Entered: 11 h 17 min
